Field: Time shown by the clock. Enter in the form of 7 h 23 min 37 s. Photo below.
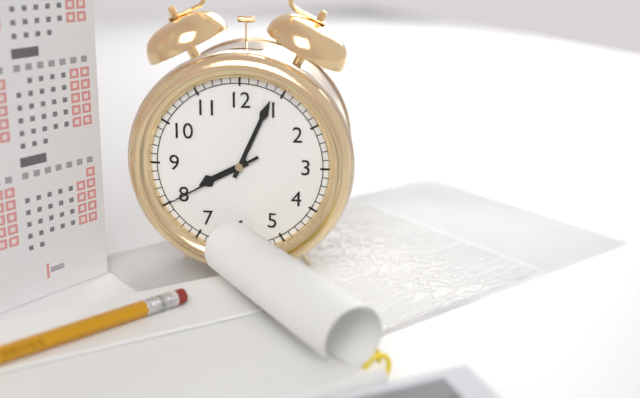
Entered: 8 h 04 min 40 s
